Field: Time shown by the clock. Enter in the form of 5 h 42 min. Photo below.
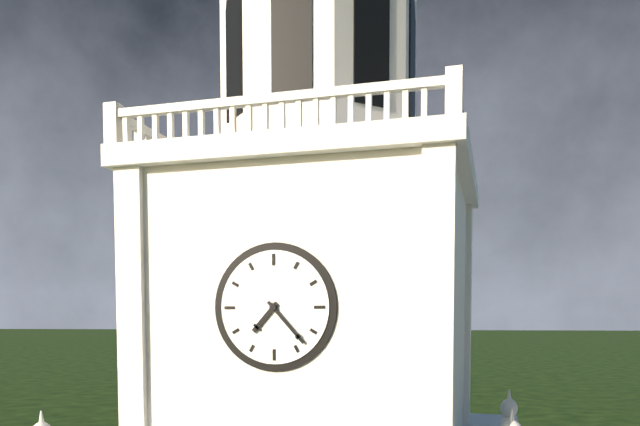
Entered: 7 h 23 min
